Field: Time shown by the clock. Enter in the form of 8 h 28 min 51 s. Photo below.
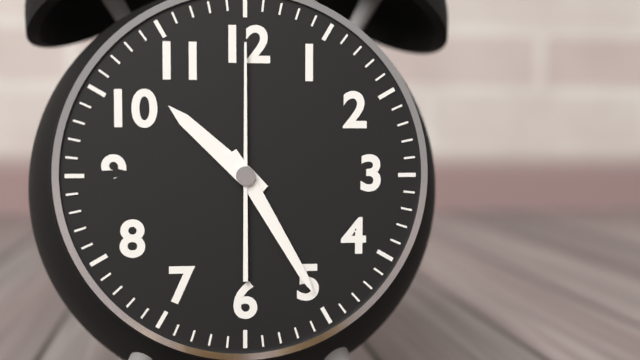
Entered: 10 h 25 min 00 s
